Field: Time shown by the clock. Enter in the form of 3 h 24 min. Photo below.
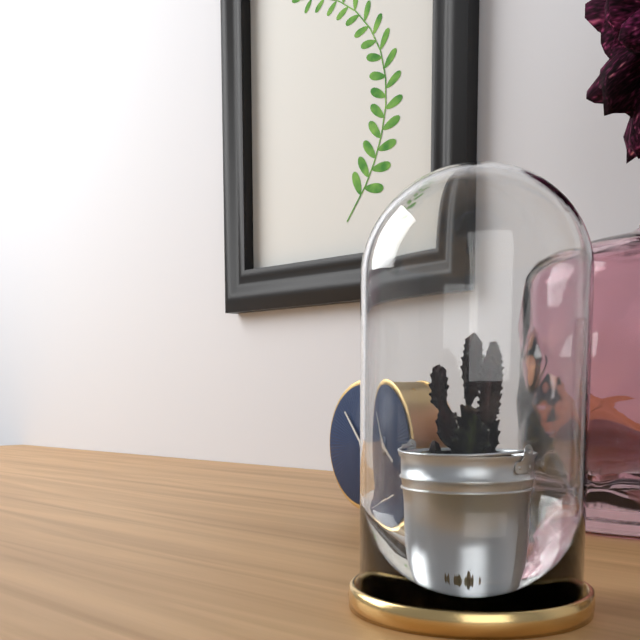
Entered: 3 h 53 min
